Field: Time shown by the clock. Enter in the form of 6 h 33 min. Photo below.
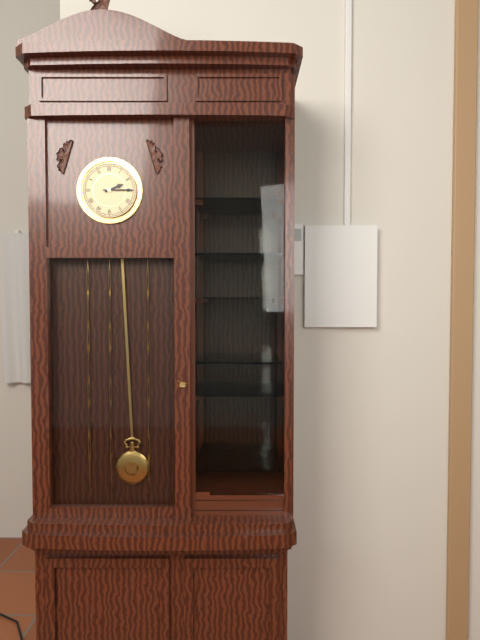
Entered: 2 h 15 min
